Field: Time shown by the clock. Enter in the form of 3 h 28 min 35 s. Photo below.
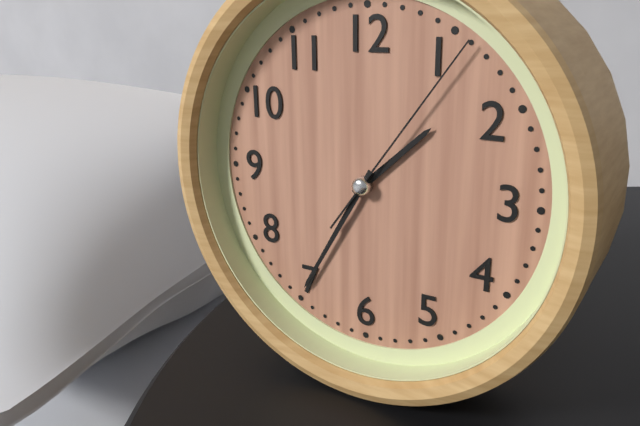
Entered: 1 h 35 min 06 s
